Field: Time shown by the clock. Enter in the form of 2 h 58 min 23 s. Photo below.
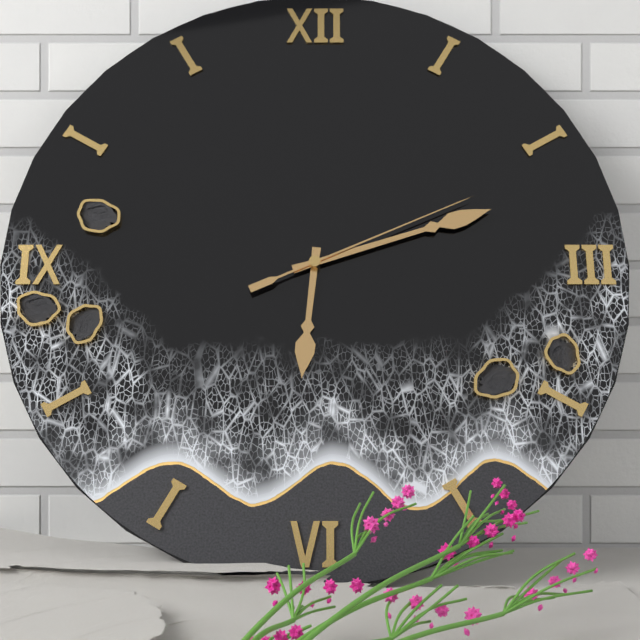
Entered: 6 h 12 min 11 s
